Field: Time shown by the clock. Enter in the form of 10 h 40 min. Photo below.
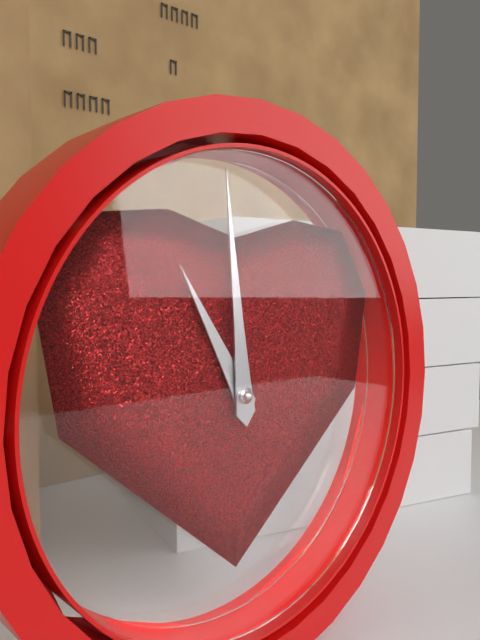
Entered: 10 h 59 min
